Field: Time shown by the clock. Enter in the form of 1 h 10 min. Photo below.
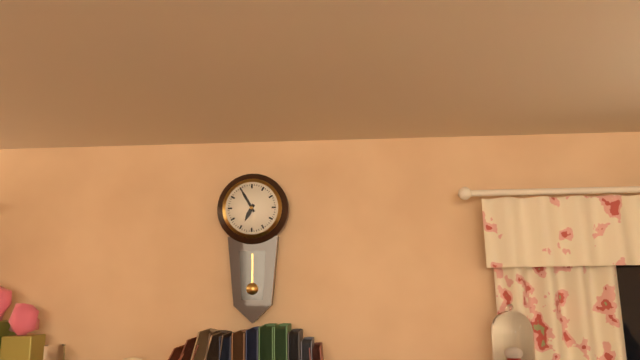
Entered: 6 h 55 min
